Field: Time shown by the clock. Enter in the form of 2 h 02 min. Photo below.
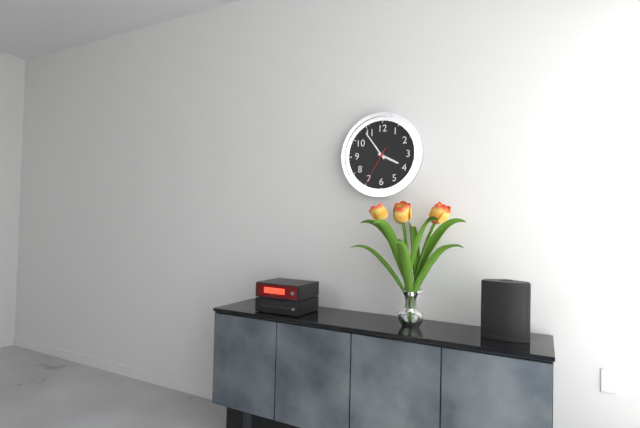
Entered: 3 h 54 min
